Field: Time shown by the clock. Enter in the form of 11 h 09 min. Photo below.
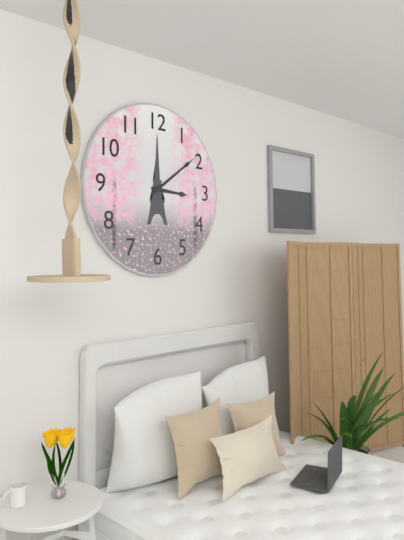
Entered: 3 h 09 min
